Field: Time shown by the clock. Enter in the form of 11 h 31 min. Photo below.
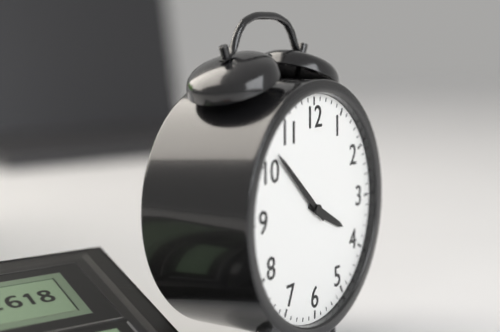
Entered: 3 h 52 min
